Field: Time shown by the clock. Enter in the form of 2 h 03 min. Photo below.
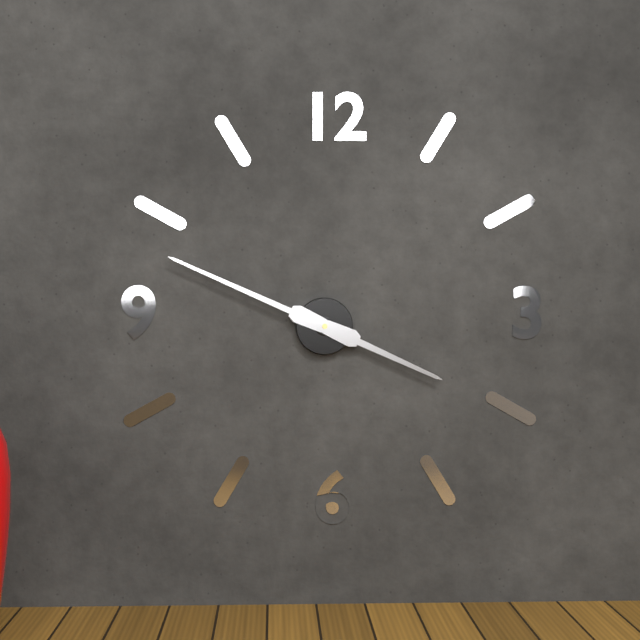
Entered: 3 h 49 min
